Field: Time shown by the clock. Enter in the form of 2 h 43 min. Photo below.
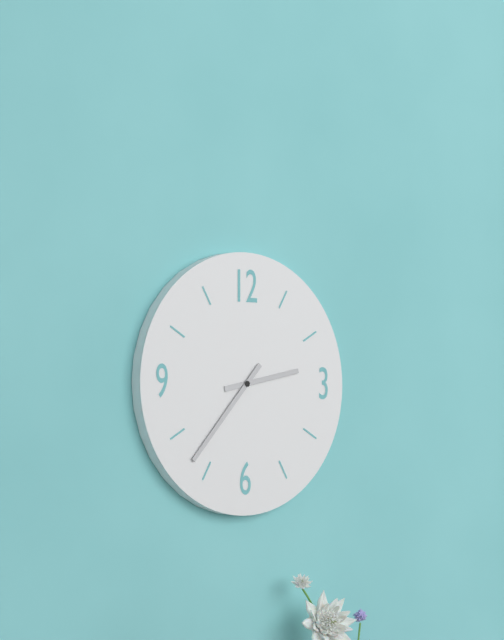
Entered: 2 h 37 min
